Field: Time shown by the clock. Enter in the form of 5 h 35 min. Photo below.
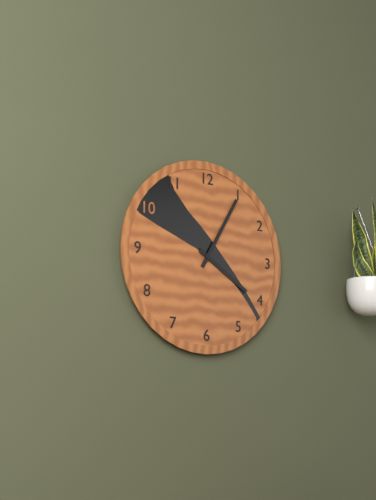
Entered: 4 h 05 min
